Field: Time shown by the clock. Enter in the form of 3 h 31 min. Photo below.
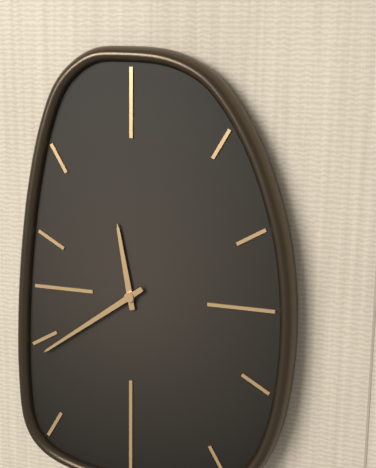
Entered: 11 h 39 min
